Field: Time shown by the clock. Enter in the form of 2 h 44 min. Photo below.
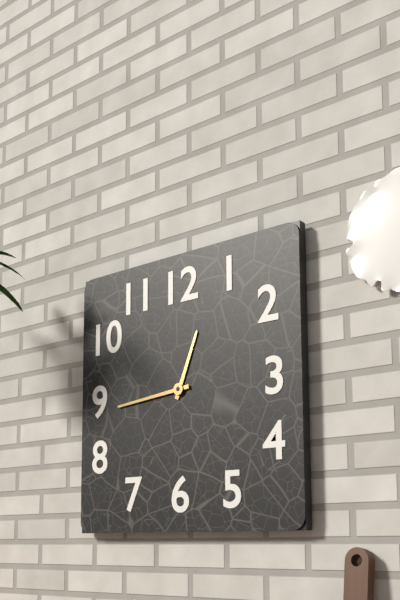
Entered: 12 h 44 min
